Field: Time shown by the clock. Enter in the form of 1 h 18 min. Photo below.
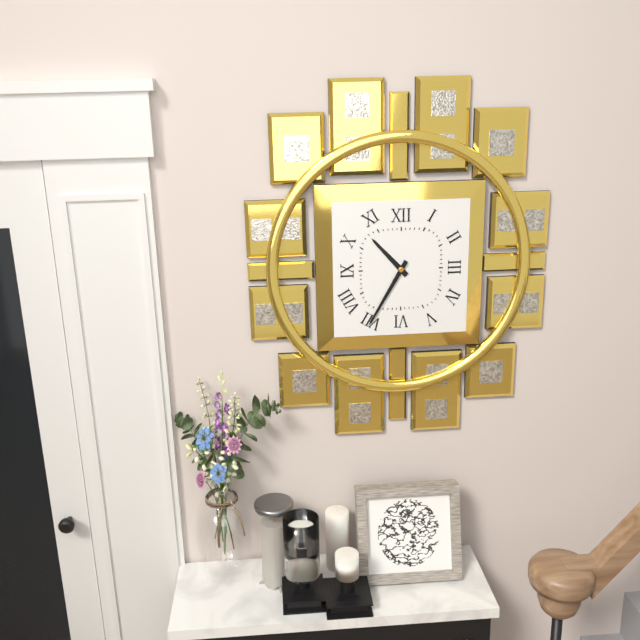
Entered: 10 h 35 min
